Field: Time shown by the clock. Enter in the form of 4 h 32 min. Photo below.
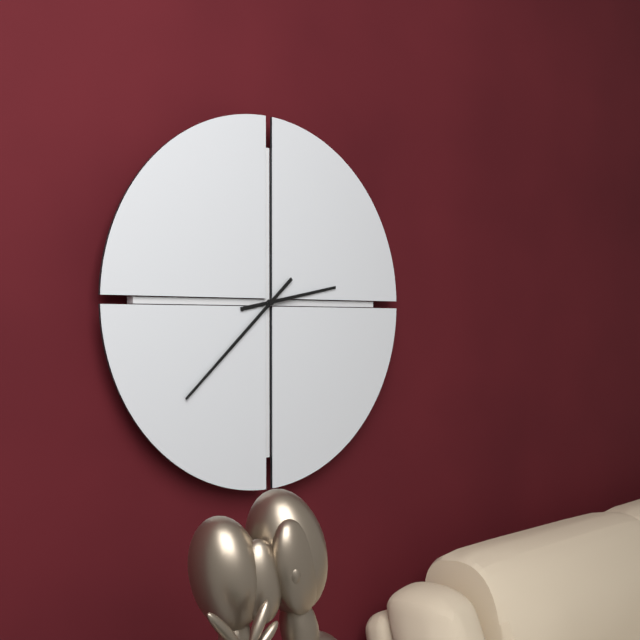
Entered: 2 h 38 min
